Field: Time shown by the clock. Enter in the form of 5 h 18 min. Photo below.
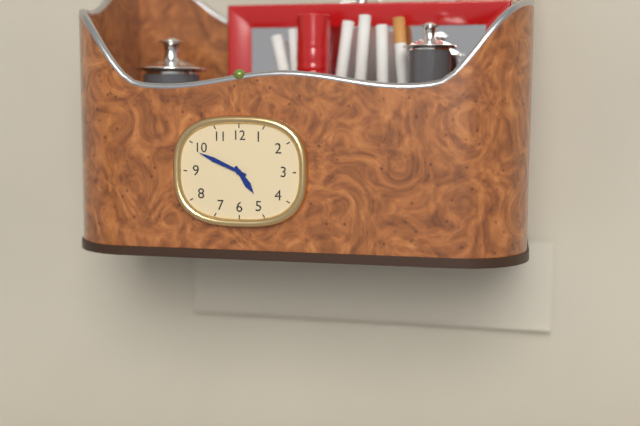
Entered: 4 h 49 min
